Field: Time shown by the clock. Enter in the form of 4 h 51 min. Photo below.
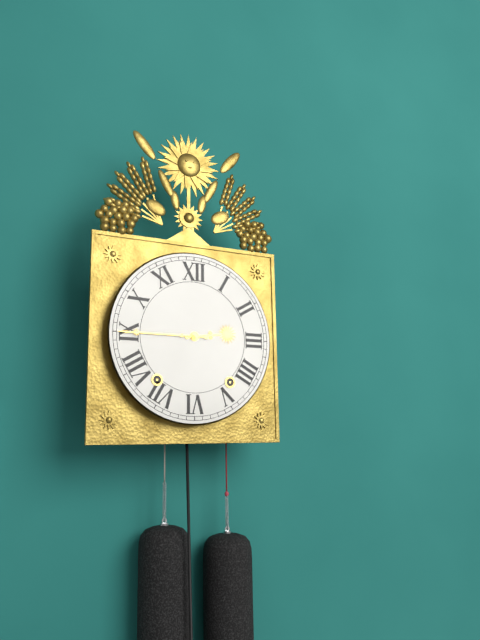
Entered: 2 h 45 min
